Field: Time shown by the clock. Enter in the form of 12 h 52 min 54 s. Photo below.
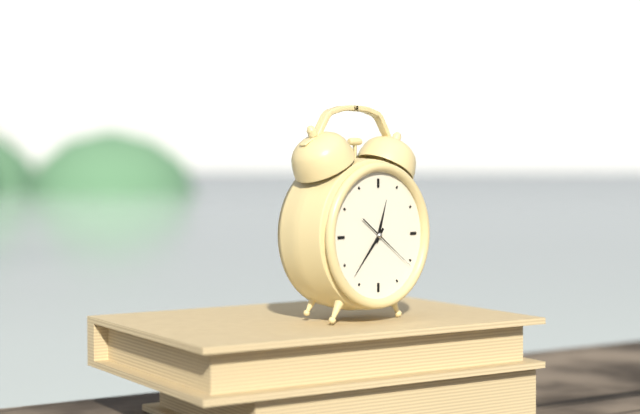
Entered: 12 h 37 min 21 s
